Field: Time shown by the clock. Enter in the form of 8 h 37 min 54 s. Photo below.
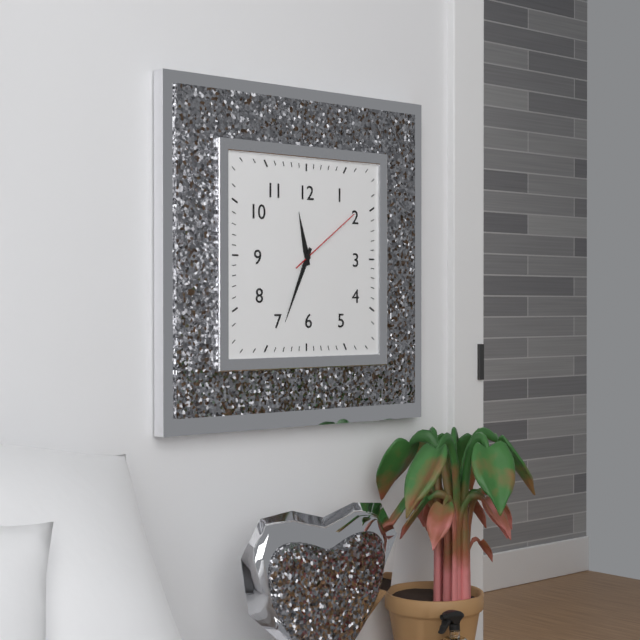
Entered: 11 h 34 min 09 s
